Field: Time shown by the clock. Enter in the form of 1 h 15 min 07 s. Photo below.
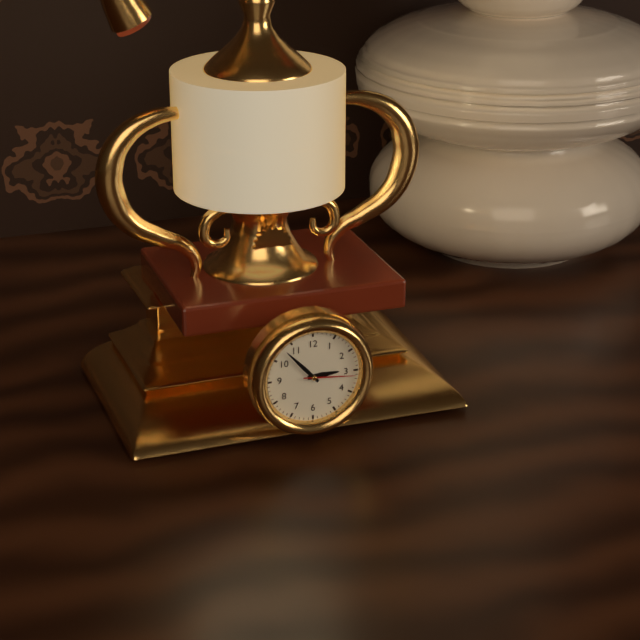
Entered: 2 h 53 min 16 s
